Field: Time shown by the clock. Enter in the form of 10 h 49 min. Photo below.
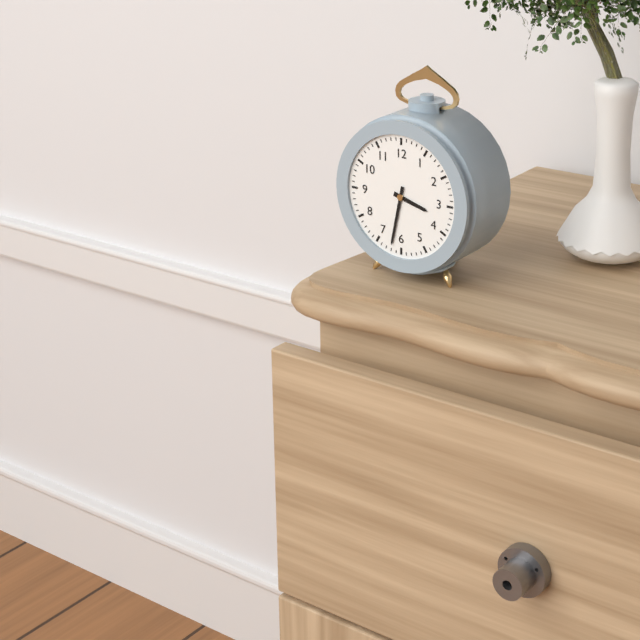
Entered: 3 h 32 min
